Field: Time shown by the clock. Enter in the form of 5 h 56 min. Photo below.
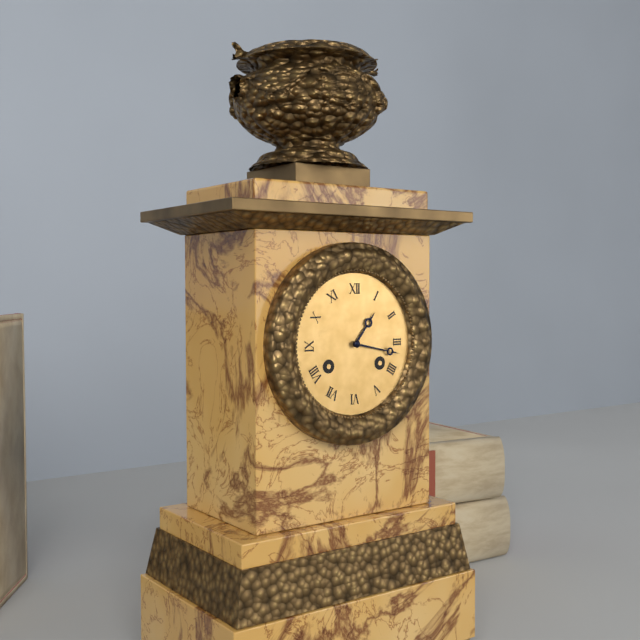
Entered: 1 h 17 min
